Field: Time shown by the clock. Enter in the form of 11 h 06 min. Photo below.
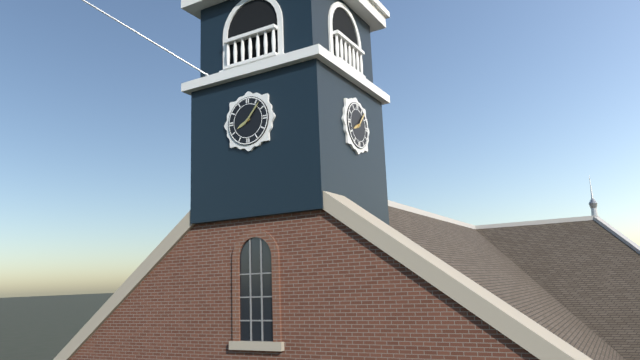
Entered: 8 h 07 min
